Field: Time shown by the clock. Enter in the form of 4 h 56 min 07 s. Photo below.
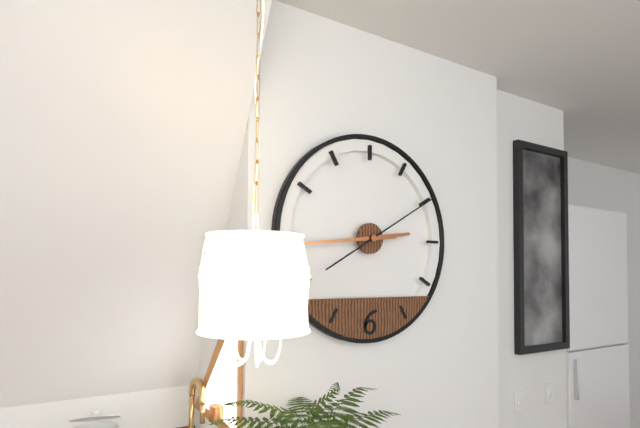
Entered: 2 h 44 min 10 s
